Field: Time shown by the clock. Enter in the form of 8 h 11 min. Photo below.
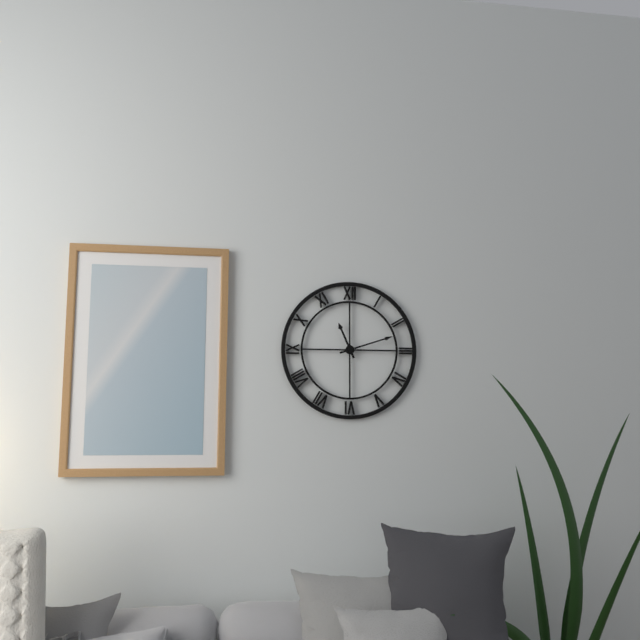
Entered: 11 h 12 min
